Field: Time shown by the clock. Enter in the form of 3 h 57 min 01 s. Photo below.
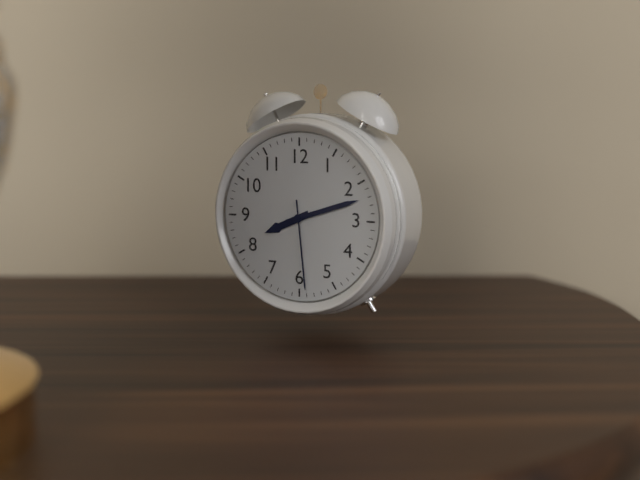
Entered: 8 h 12 min 29 s
